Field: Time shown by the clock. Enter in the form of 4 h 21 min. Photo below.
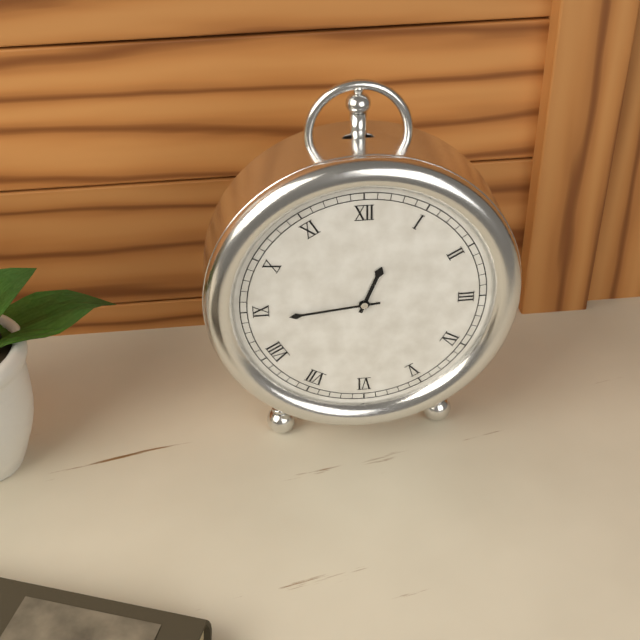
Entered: 12 h 44 min
